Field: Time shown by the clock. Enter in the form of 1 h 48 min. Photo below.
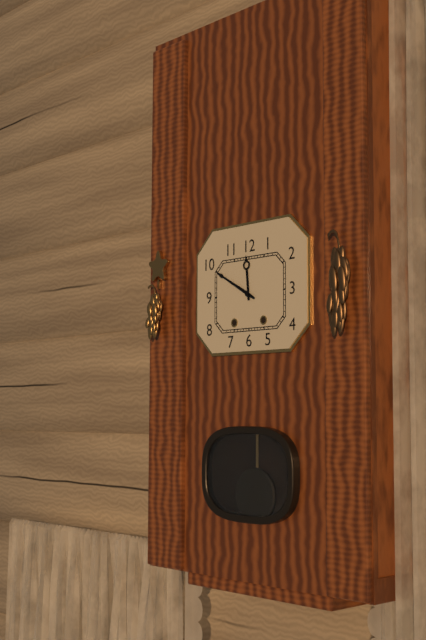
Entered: 11 h 50 min
